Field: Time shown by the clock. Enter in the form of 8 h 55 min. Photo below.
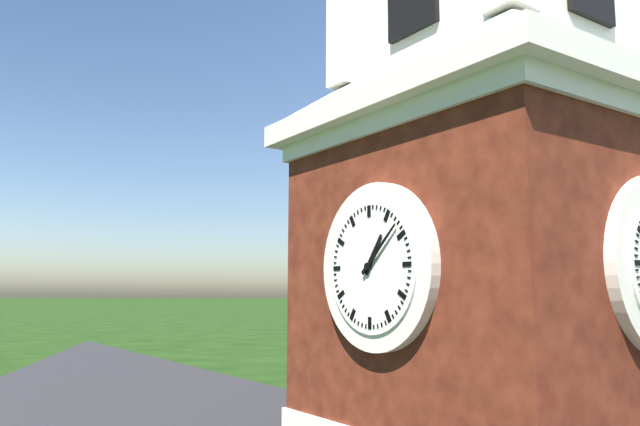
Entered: 1 h 08 min
